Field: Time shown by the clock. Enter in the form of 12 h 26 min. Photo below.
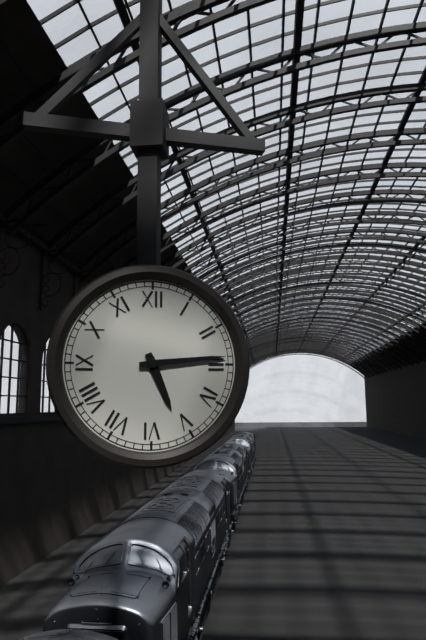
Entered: 5 h 14 min
